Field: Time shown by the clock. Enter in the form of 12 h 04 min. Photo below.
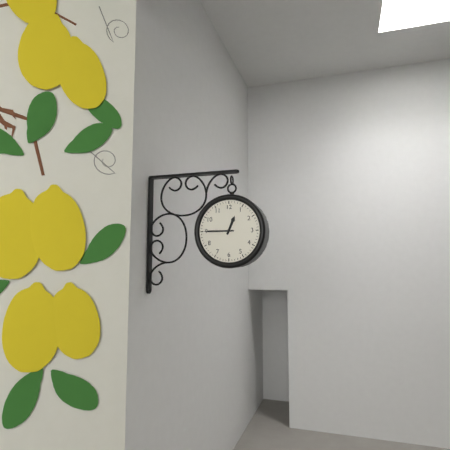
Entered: 12 h 45 min
